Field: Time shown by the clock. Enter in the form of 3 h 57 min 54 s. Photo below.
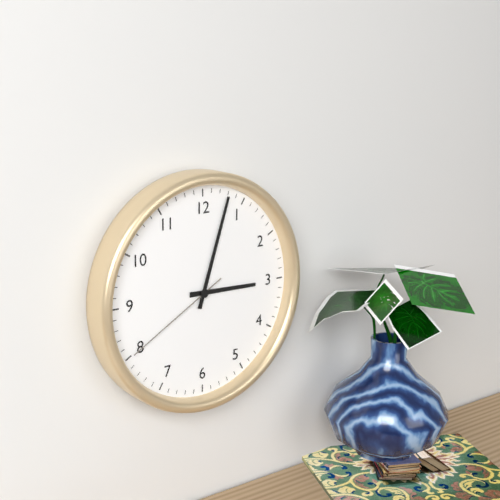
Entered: 3 h 03 min 40 s
